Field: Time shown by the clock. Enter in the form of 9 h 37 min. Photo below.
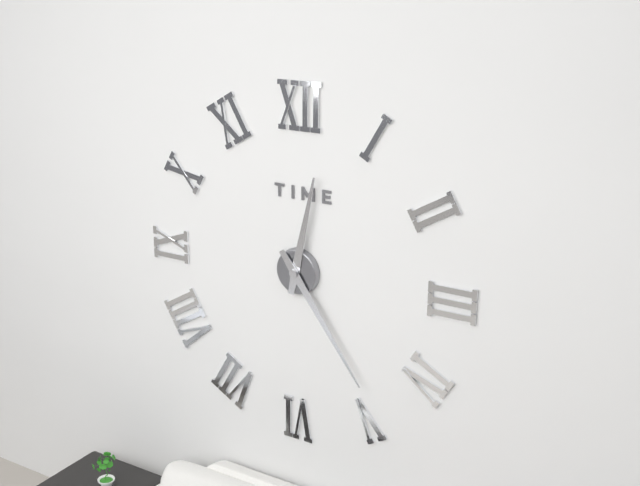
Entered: 12 h 24 min
